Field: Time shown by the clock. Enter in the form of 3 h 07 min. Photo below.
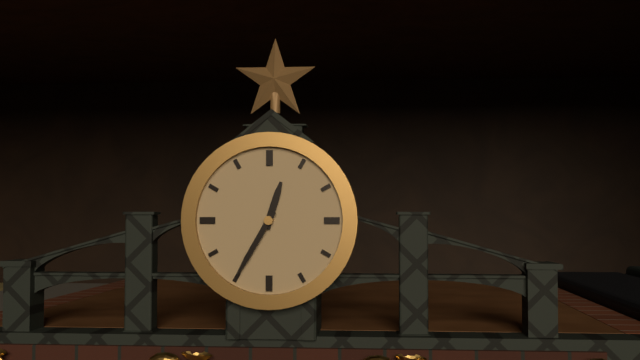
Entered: 12 h 35 min
